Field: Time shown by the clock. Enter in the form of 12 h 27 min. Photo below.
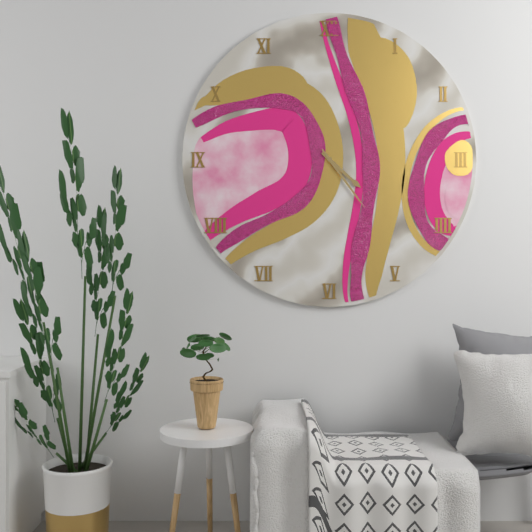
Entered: 4 h 24 min
